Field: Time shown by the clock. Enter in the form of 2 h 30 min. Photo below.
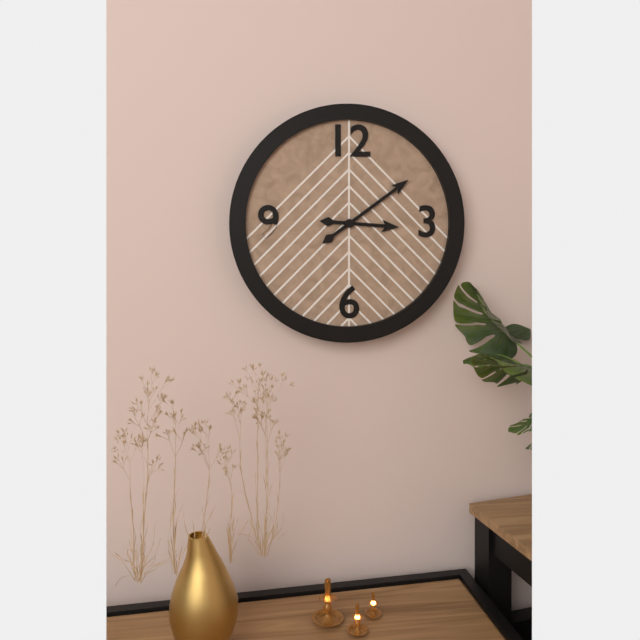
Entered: 3 h 09 min
